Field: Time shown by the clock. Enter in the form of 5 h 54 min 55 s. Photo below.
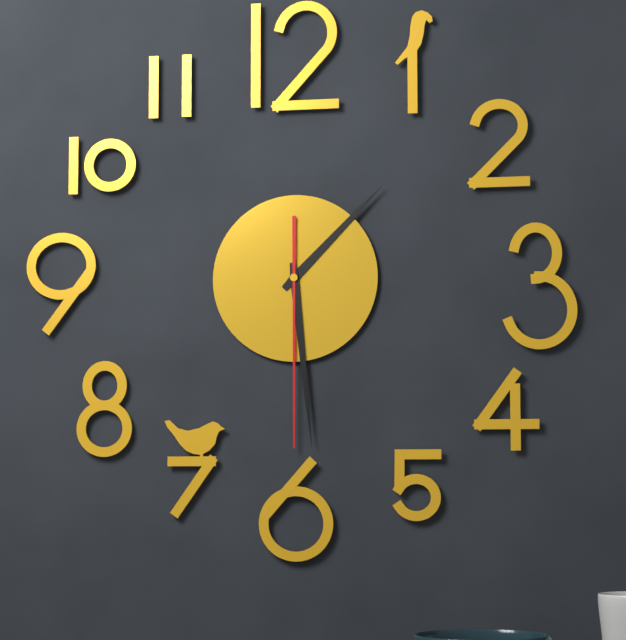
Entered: 1 h 29 min 30 s
